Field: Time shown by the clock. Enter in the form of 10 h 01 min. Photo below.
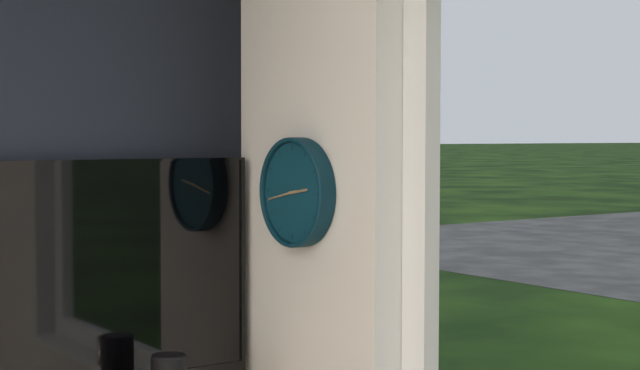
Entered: 2 h 43 min
